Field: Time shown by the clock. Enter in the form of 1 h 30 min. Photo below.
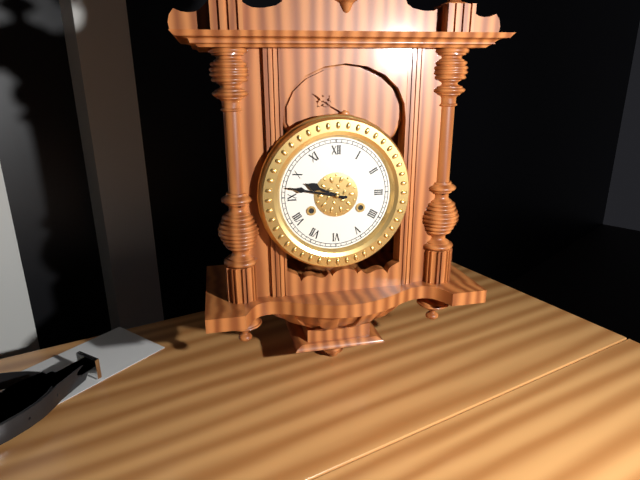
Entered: 9 h 47 min
